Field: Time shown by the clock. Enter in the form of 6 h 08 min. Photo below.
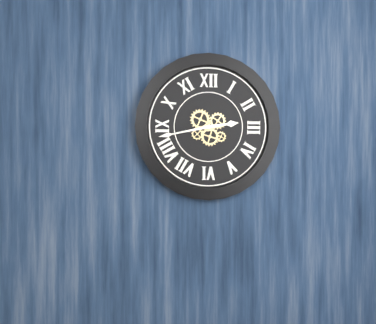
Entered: 2 h 43 min
